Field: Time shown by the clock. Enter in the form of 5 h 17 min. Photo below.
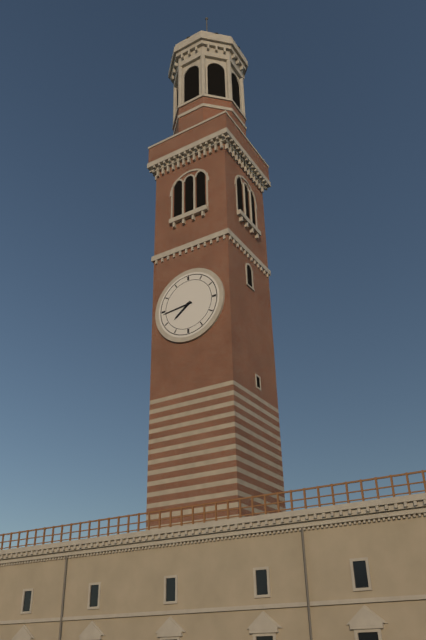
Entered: 7 h 44 min
